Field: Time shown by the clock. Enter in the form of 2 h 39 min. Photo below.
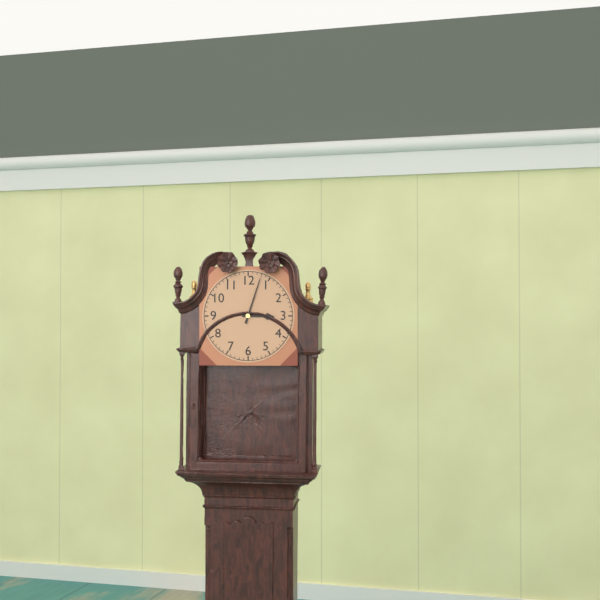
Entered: 3 h 03 min
